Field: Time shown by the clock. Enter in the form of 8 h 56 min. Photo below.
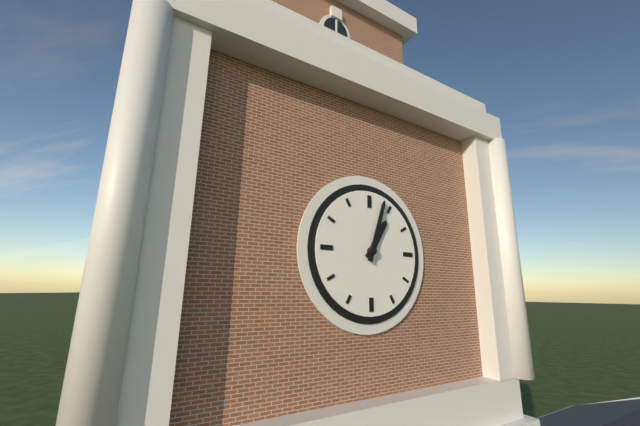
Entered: 1 h 03 min
